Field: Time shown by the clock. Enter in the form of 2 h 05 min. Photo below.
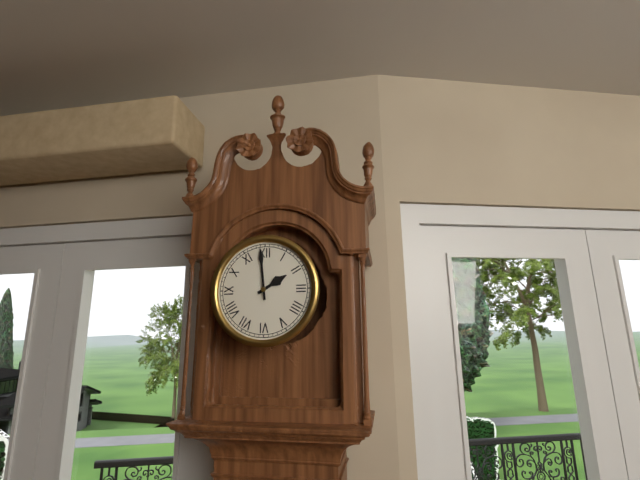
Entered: 1 h 59 min
